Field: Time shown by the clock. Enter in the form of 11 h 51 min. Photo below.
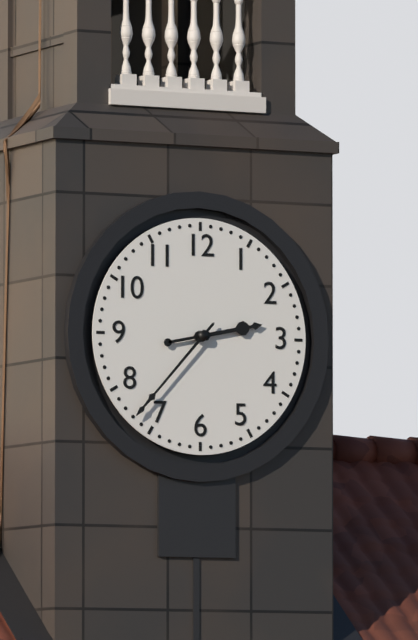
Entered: 2 h 37 min
